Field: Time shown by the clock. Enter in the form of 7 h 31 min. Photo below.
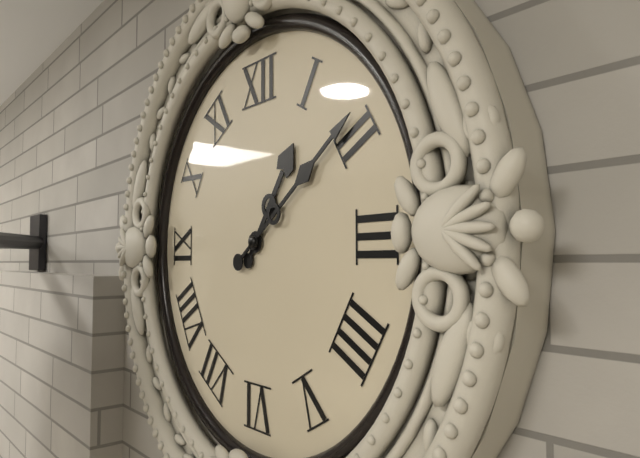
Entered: 1 h 09 min
